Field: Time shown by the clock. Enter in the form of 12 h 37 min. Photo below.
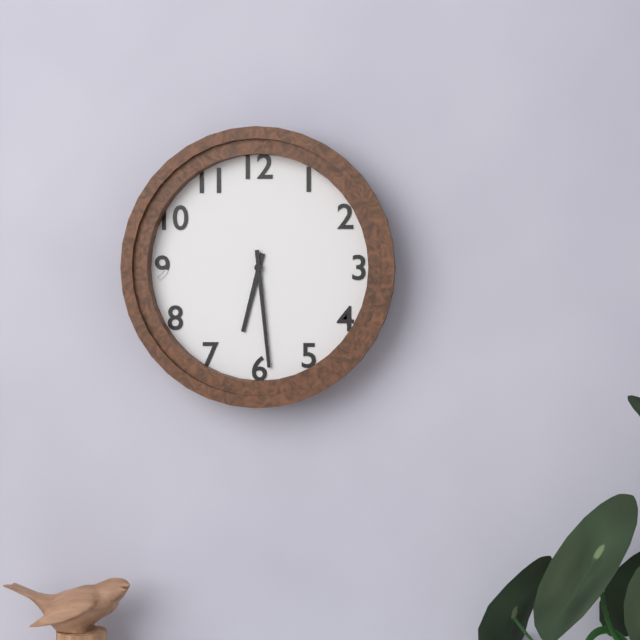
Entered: 6 h 29 min
